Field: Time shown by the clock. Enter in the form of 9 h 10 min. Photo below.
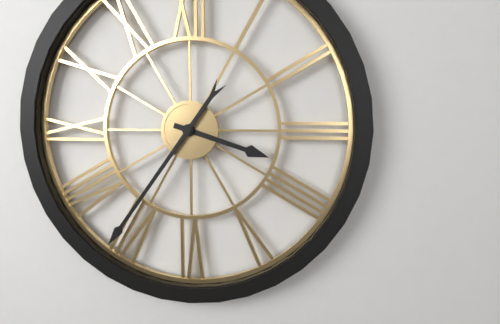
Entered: 3 h 36 min
